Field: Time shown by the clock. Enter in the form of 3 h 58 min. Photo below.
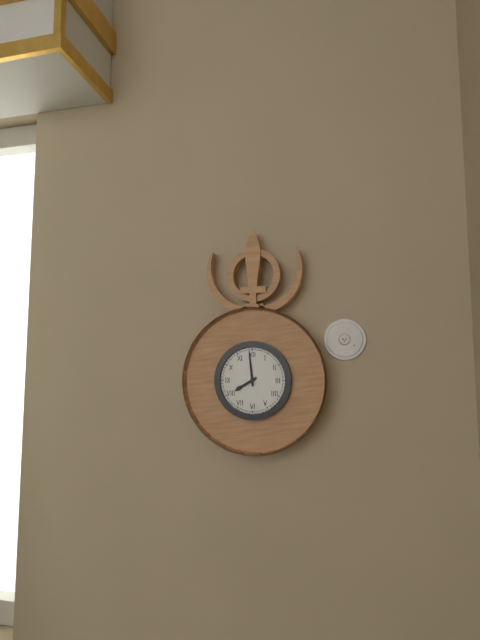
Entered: 7 h 59 min
